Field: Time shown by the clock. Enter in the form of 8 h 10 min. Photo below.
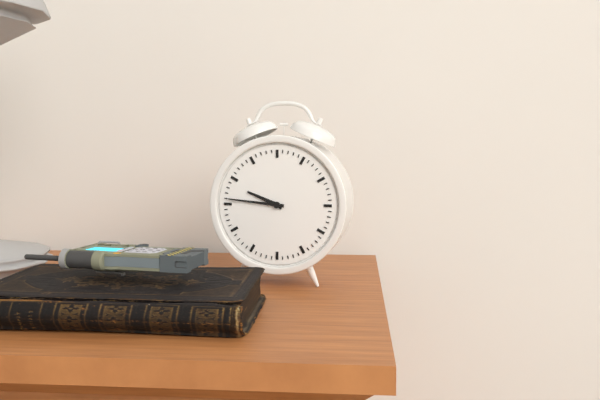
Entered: 9 h 46 min
